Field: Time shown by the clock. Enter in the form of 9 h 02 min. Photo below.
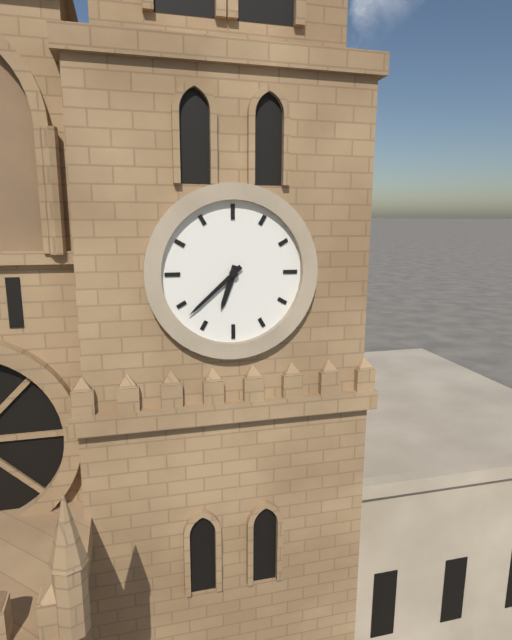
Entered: 6 h 38 min
